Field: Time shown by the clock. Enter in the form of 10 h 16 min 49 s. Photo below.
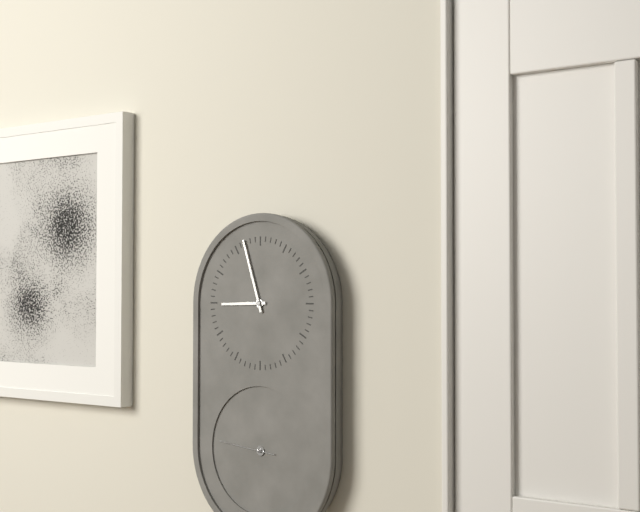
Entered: 8 h 57 min 46 s
